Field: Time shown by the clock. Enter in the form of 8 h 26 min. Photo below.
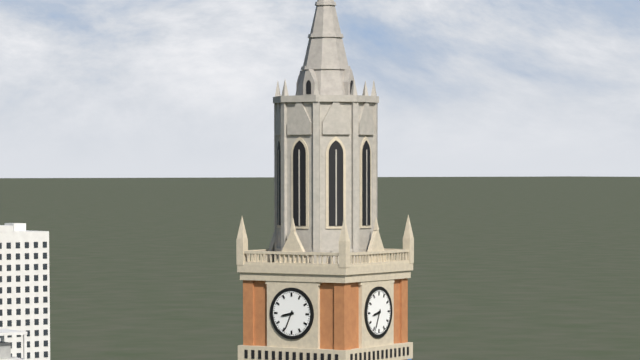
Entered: 8 h 34 min
